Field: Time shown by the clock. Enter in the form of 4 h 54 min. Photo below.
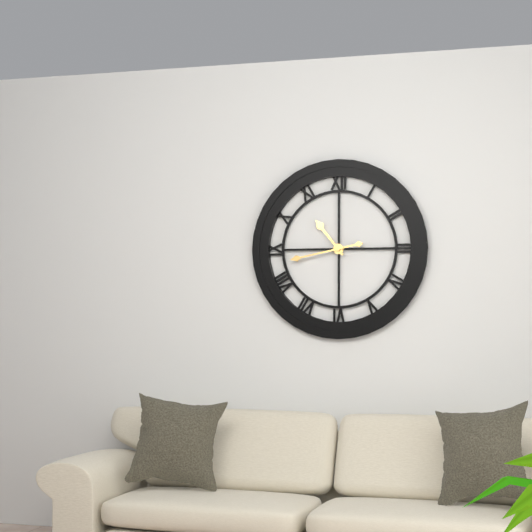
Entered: 10 h 43 min
